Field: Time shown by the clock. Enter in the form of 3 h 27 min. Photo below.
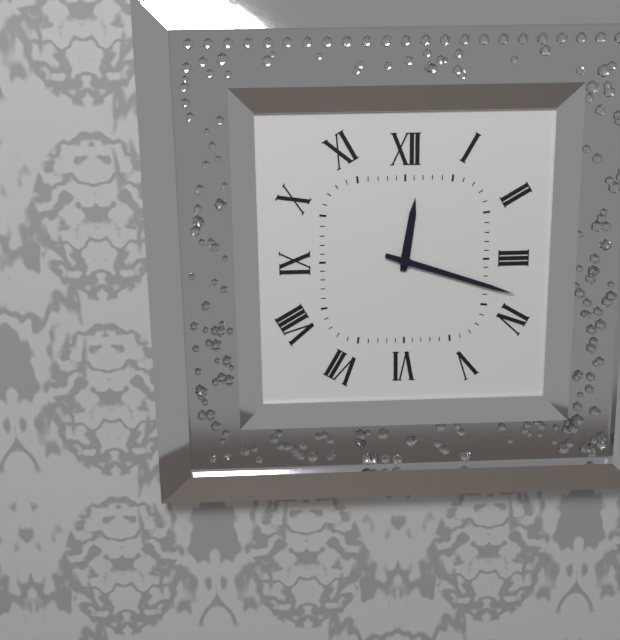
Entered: 12 h 18 min
